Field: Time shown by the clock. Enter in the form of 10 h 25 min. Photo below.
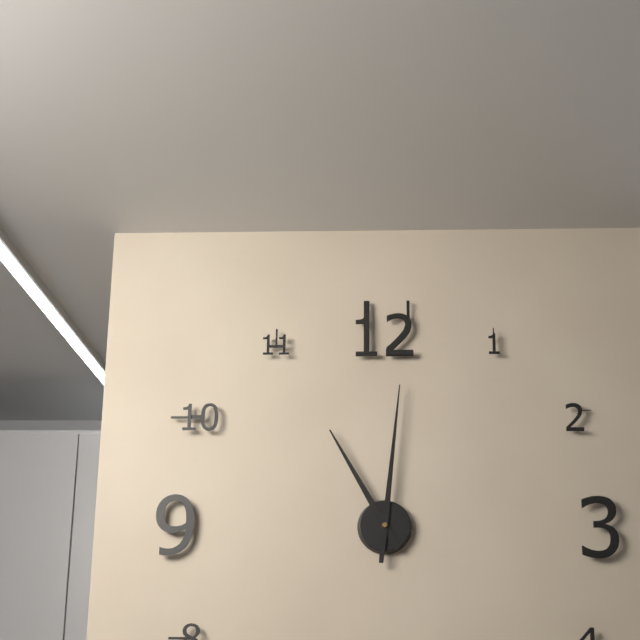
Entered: 11 h 01 min
